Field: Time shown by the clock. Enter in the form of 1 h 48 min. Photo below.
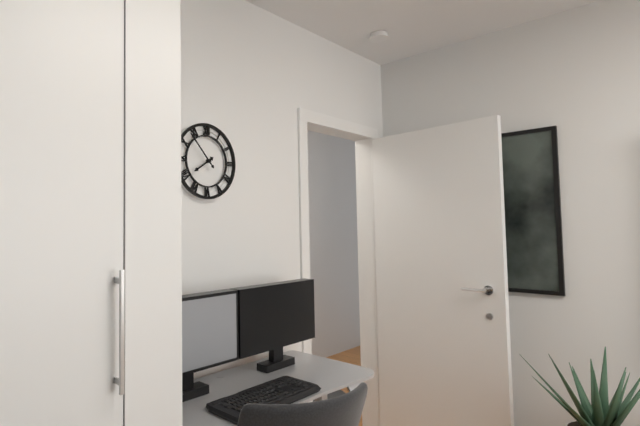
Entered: 7 h 53 min
